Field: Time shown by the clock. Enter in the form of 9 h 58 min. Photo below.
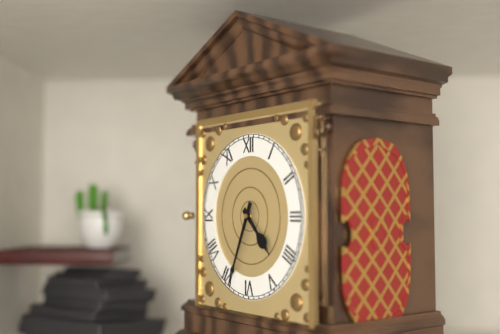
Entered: 4 h 34 min
